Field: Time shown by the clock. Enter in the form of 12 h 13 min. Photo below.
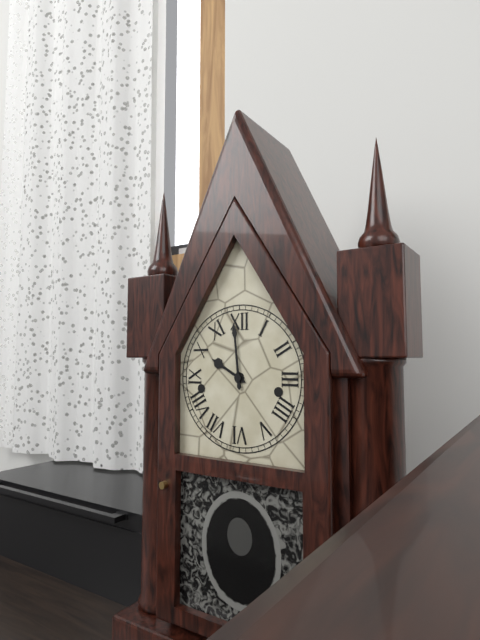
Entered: 9 h 59 min
